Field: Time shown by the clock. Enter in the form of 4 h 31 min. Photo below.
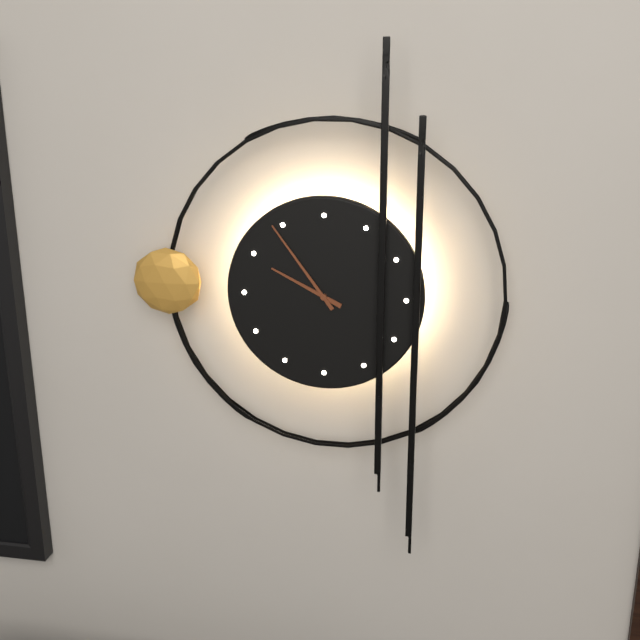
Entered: 9 h 54 min
